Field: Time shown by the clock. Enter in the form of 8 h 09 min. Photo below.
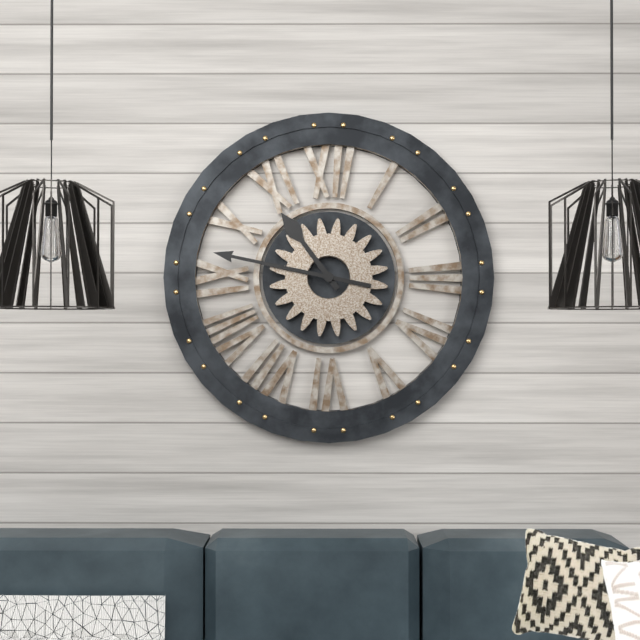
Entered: 10 h 47 min
